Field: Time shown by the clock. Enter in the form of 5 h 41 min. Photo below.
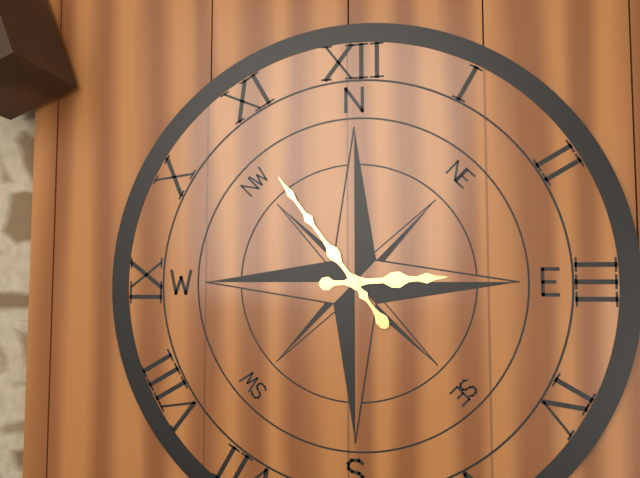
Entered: 2 h 54 min
